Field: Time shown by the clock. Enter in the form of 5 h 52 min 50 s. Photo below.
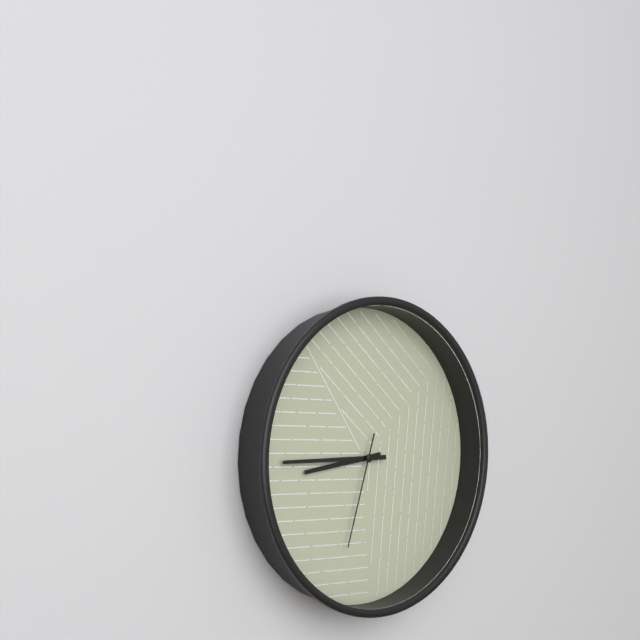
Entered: 8 h 45 min 33 s
